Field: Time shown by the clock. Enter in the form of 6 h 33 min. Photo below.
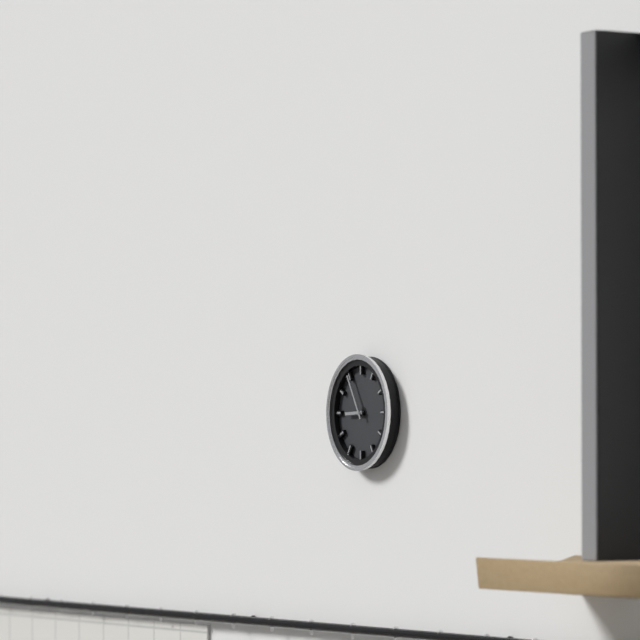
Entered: 8 h 55 min
